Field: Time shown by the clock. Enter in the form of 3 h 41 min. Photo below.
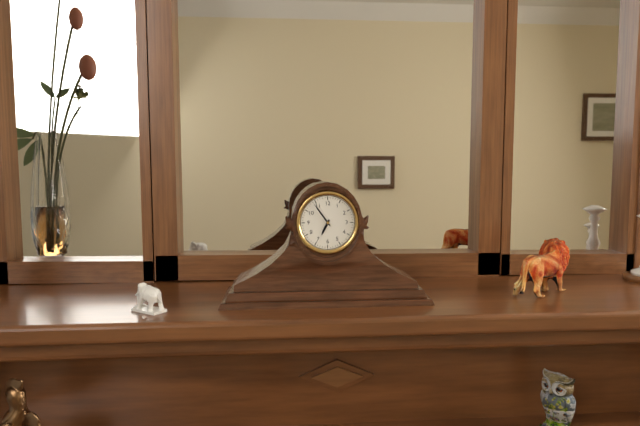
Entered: 6 h 54 min
